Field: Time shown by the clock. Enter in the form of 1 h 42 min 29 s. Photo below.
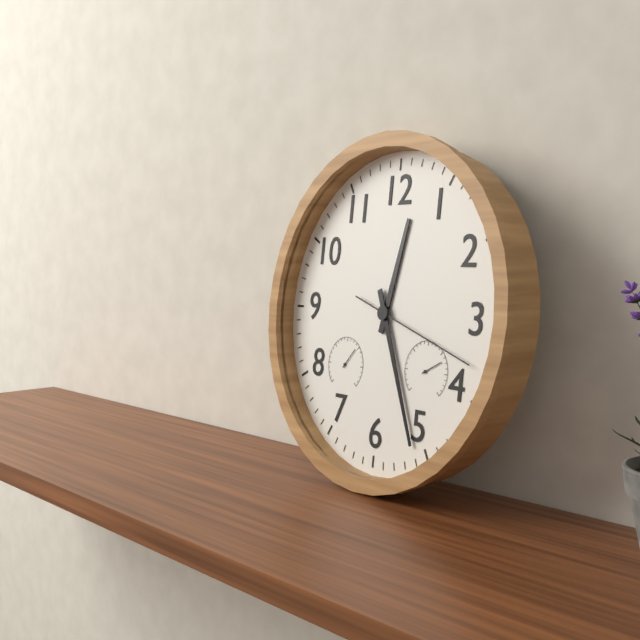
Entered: 12 h 26 min 18 s
